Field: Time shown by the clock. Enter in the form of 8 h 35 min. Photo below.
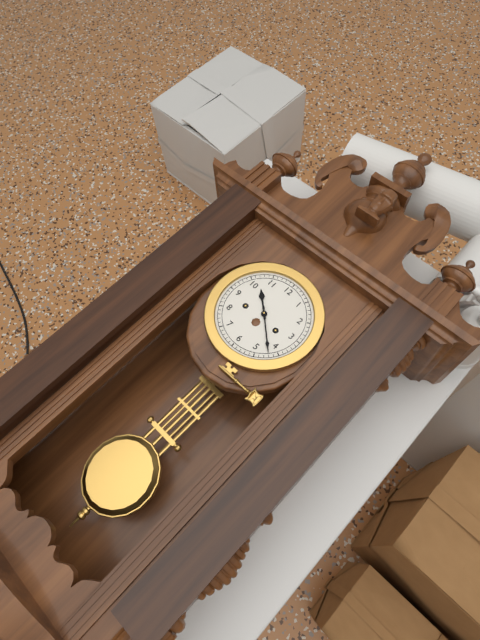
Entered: 10 h 22 min
